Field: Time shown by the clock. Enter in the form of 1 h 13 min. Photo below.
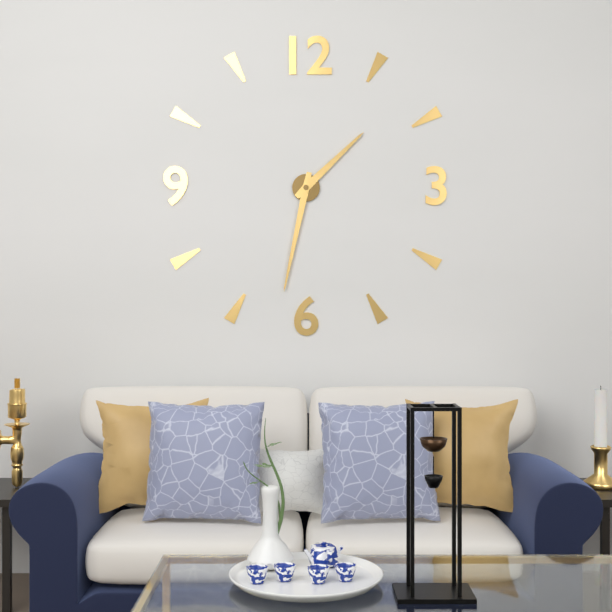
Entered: 1 h 32 min
